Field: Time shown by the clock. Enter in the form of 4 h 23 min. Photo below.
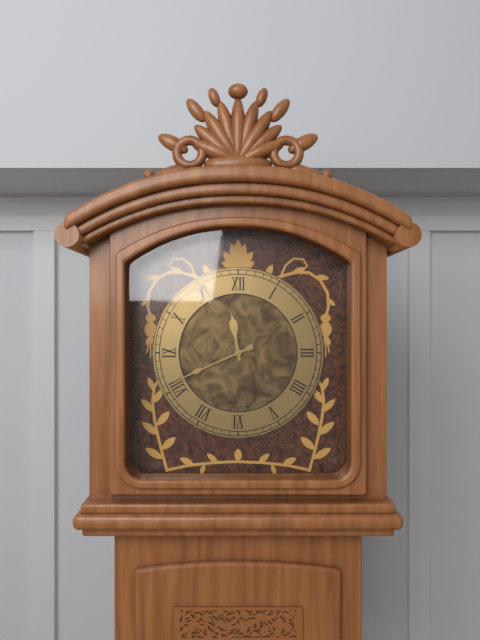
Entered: 11 h 41 min
